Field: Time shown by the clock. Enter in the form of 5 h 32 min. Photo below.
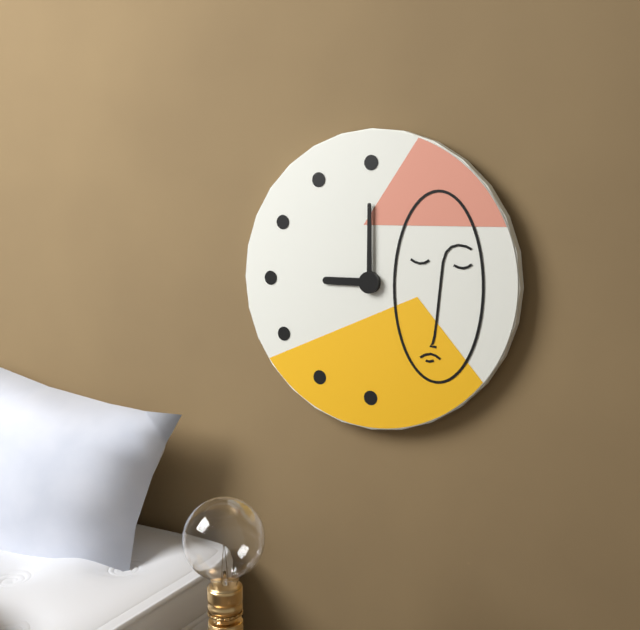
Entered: 9 h 00 min
